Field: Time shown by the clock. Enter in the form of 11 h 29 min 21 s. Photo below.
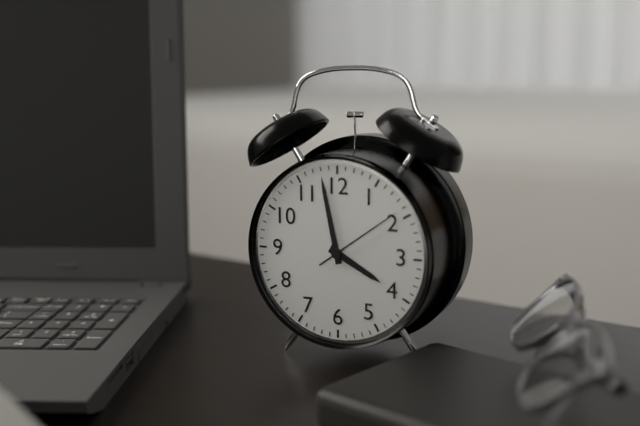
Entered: 3 h 58 min 09 s
